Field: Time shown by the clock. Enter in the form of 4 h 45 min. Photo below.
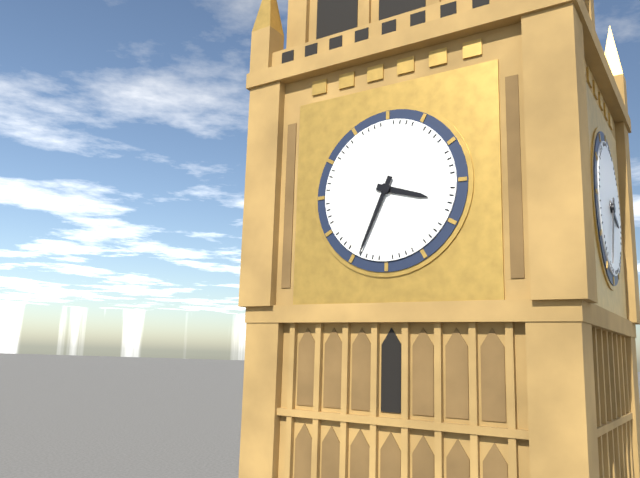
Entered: 3 h 34 min
